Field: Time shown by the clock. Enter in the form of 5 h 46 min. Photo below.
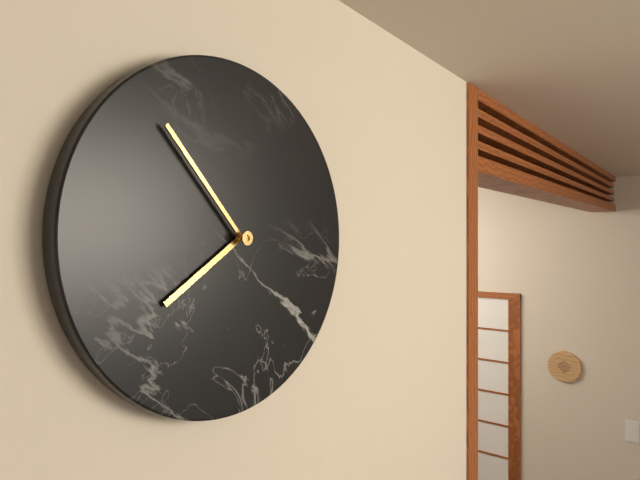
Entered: 7 h 53 min
